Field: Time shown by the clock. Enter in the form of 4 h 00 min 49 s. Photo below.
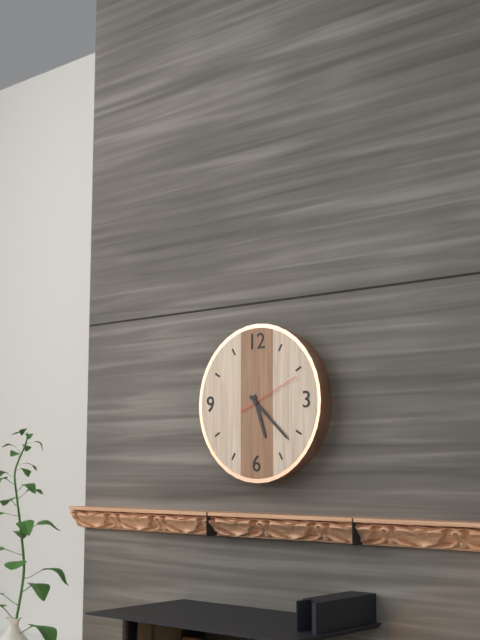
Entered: 5 h 22 min 11 s
